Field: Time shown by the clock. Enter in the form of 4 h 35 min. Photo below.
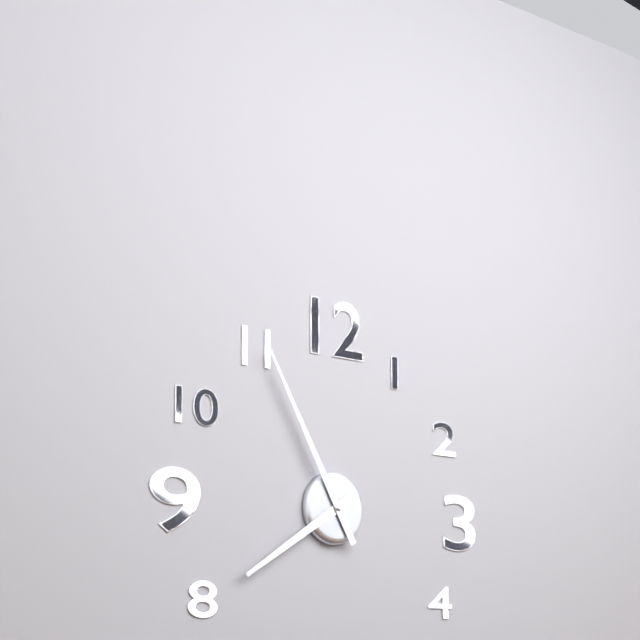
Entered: 7 h 55 min
